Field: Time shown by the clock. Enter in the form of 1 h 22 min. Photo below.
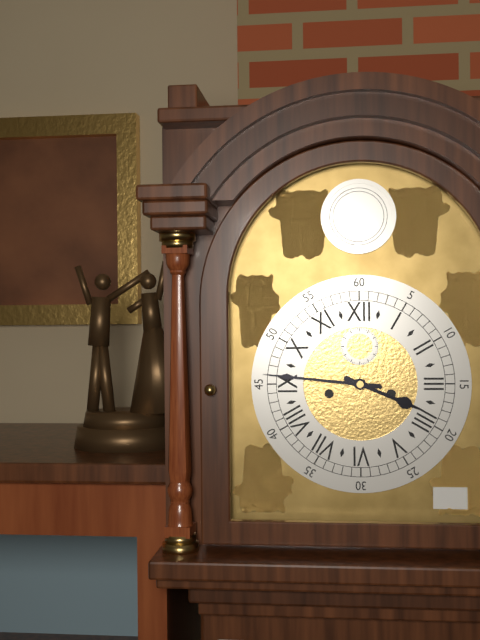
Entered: 3 h 46 min
